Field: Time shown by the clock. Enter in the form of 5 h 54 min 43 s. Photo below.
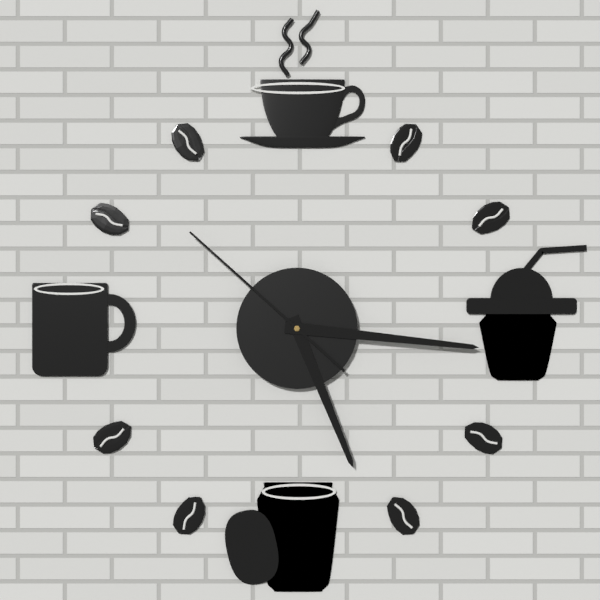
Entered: 5 h 16 min 52 s
